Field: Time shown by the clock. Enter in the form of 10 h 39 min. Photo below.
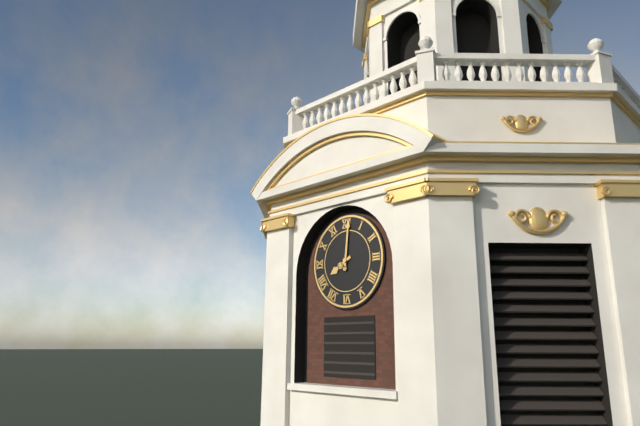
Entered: 8 h 01 min
